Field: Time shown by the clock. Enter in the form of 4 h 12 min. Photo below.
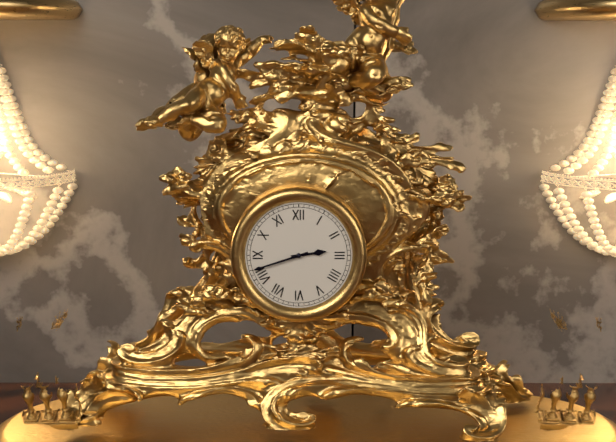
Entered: 2 h 42 min
